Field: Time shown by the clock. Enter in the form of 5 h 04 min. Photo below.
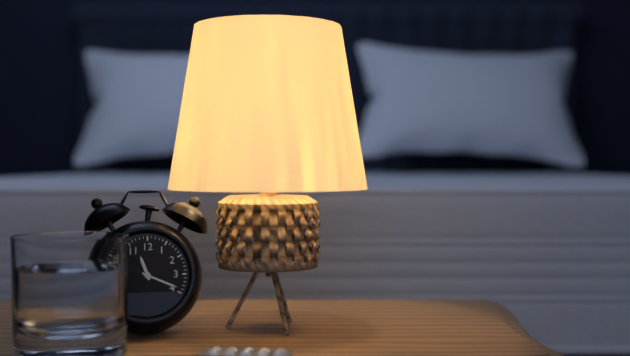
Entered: 11 h 19 min
